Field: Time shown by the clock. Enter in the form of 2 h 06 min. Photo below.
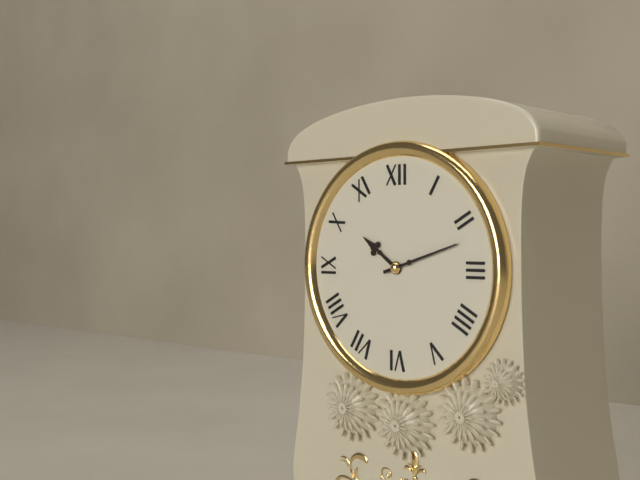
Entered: 10 h 12 min
